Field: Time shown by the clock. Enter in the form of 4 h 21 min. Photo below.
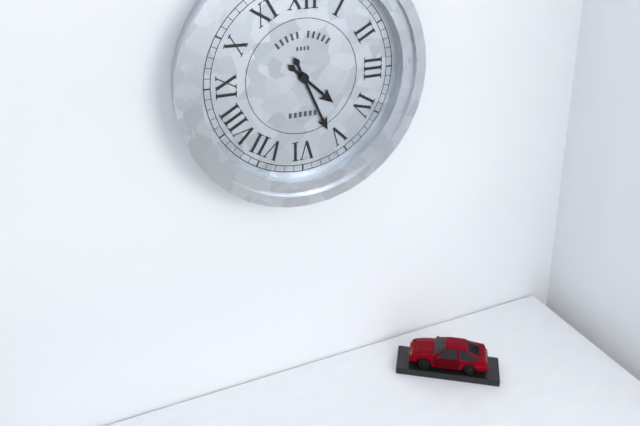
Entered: 4 h 26 min
